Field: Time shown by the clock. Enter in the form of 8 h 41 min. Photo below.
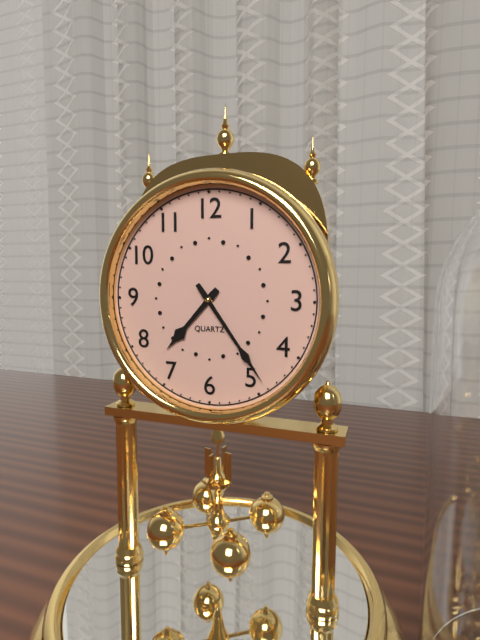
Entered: 7 h 24 min
